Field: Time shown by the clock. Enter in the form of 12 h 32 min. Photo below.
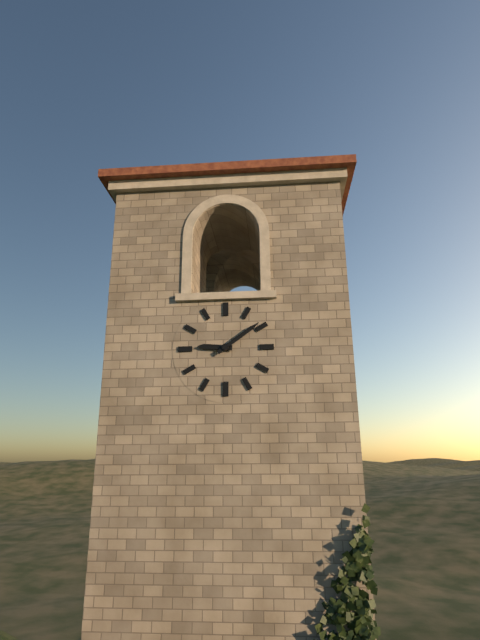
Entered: 9 h 09 min
